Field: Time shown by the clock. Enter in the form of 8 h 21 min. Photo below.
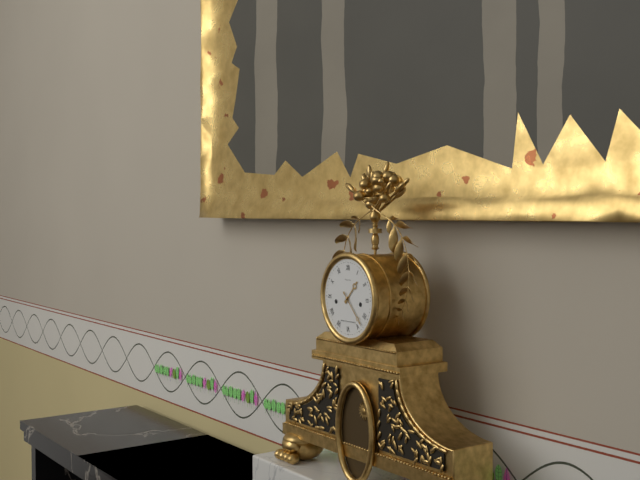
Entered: 1 h 23 min
